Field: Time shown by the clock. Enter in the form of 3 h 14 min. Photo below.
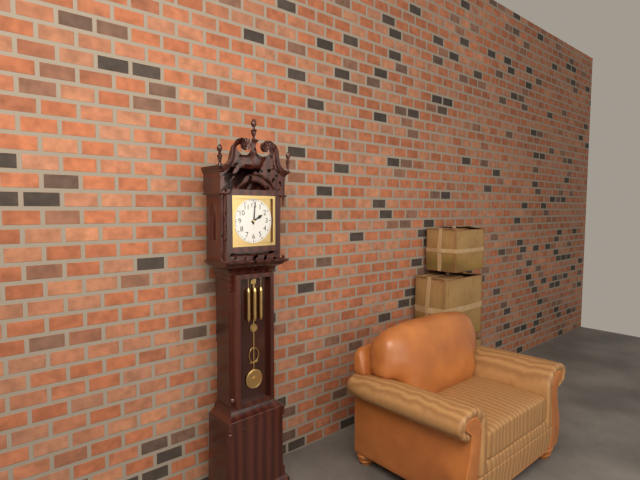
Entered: 2 h 01 min
